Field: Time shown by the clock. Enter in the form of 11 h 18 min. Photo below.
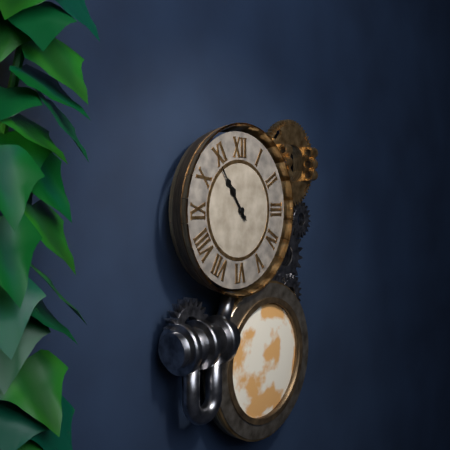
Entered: 10 h 54 min
